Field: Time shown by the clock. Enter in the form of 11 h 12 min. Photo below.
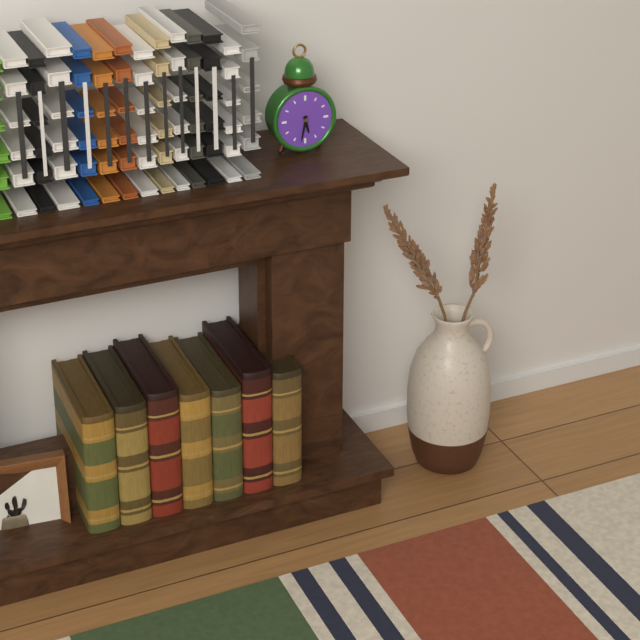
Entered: 5 h 32 min
